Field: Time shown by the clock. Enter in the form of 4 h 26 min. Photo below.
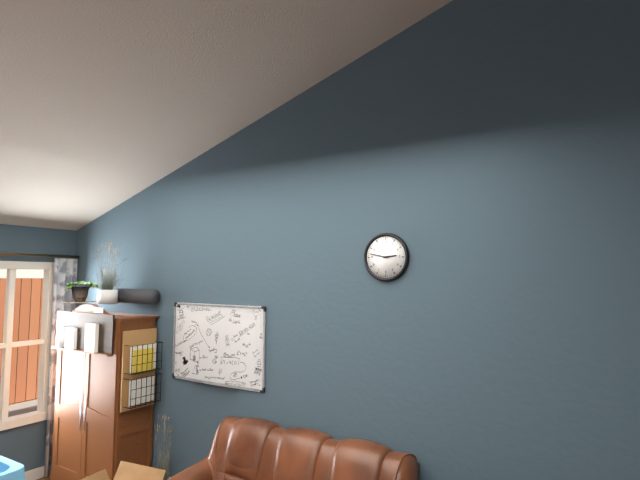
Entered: 2 h 47 min
